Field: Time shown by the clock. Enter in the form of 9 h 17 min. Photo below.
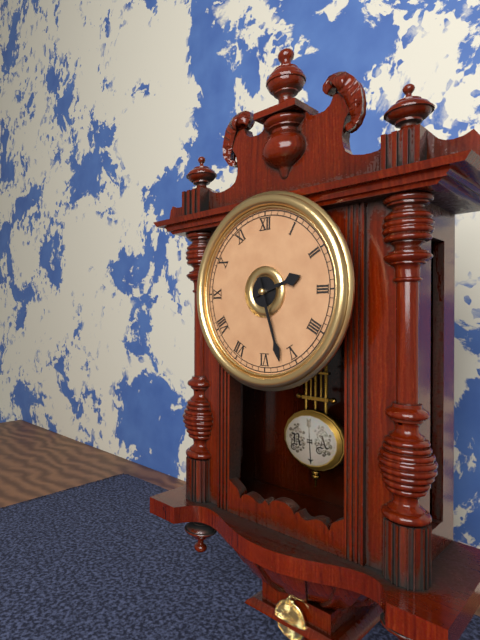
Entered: 2 h 27 min
